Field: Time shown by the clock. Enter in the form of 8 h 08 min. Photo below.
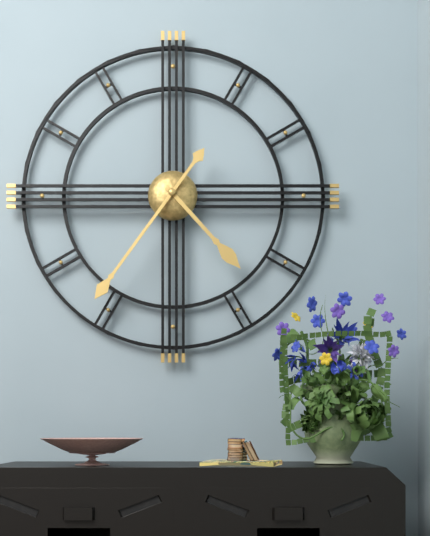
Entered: 4 h 36 min
